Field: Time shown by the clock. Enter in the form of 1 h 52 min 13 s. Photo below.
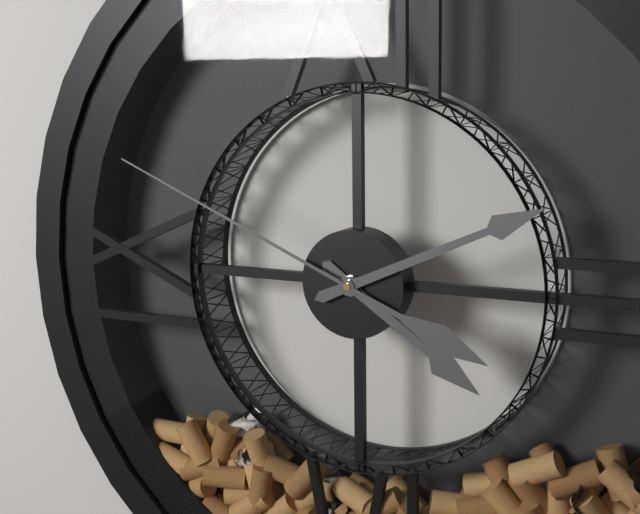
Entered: 4 h 11 min 49 s
